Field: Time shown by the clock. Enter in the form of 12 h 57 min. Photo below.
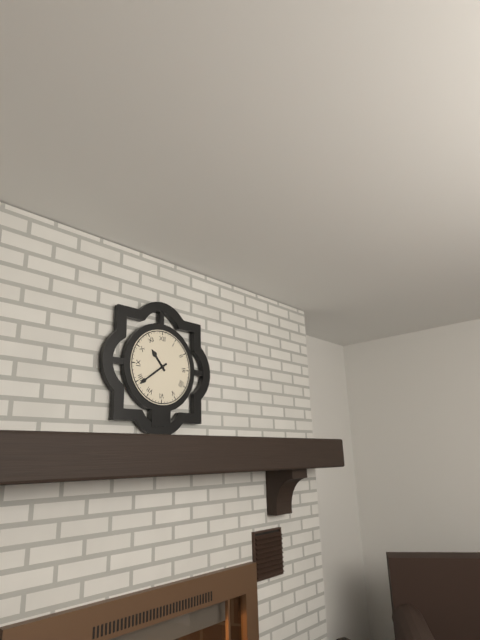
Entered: 10 h 39 min
